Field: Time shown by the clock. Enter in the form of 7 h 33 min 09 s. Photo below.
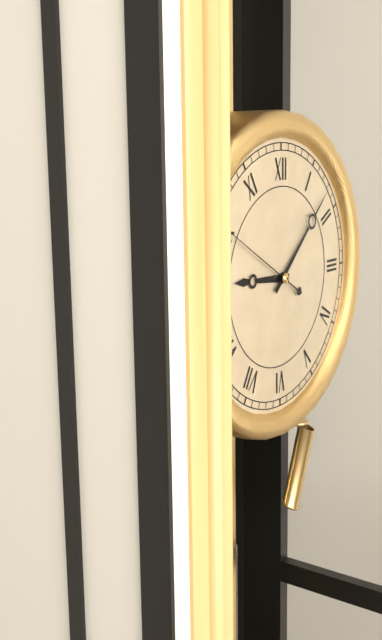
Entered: 9 h 08 min 50 s
